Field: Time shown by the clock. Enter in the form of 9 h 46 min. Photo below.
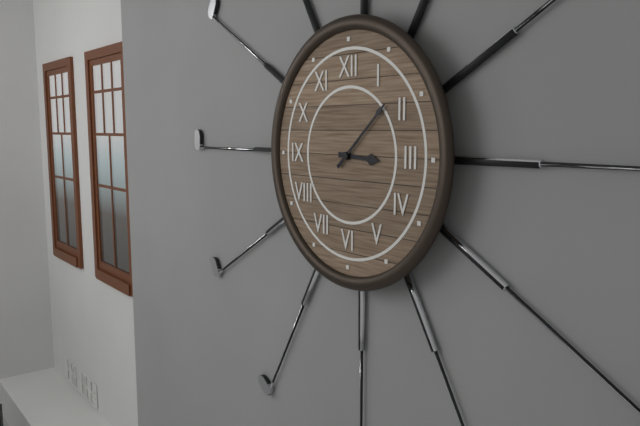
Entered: 3 h 08 min
